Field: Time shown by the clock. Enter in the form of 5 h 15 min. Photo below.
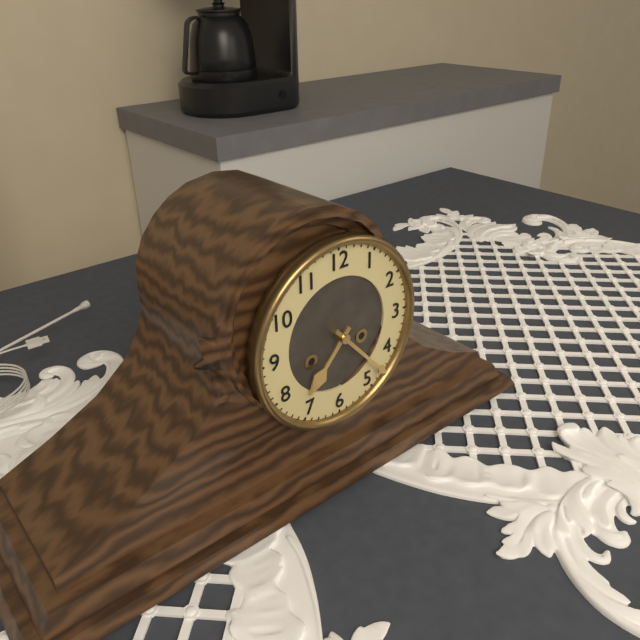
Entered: 7 h 23 min
